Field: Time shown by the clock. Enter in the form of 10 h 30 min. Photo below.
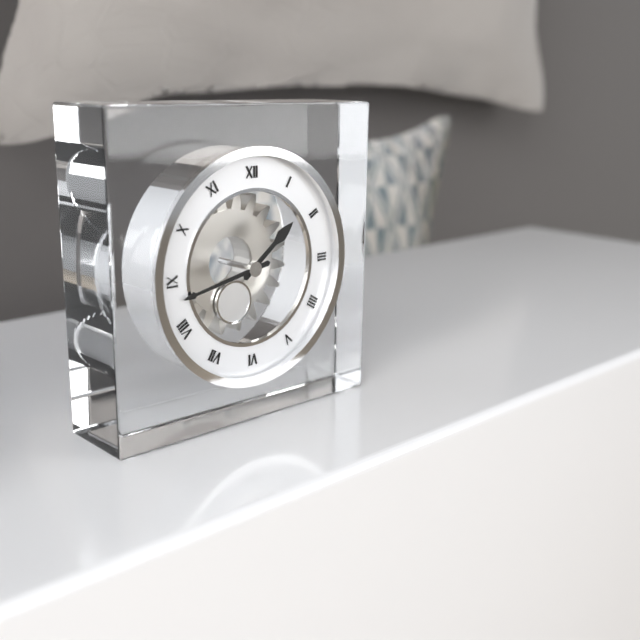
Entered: 1 h 43 min
